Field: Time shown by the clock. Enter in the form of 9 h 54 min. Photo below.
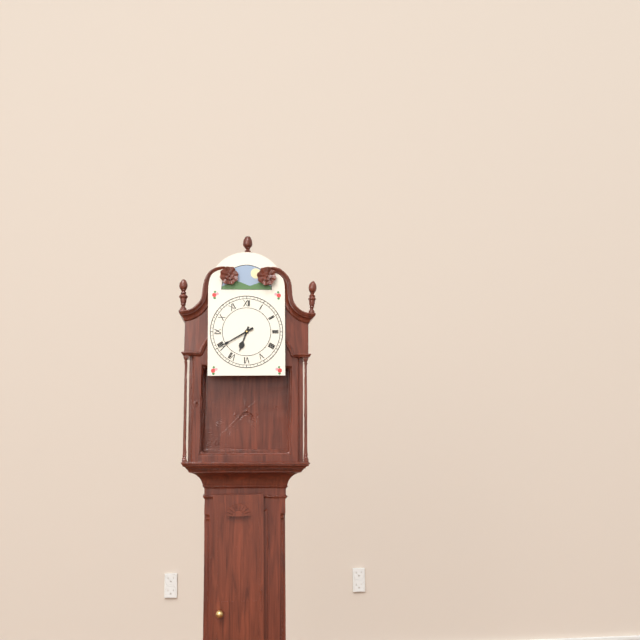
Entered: 6 h 40 min
